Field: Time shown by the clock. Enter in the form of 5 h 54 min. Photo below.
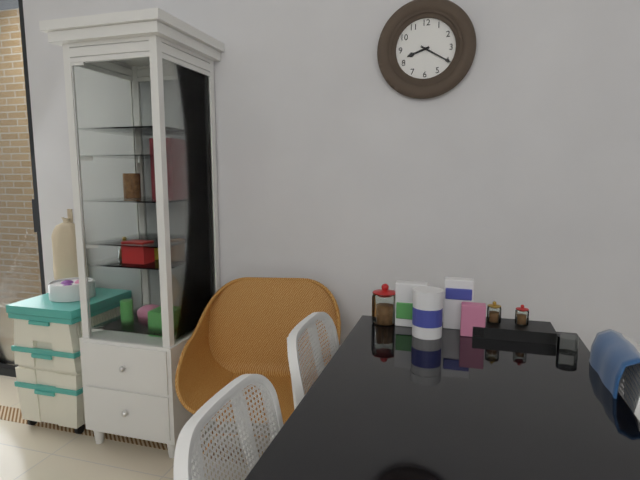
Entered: 8 h 20 min
